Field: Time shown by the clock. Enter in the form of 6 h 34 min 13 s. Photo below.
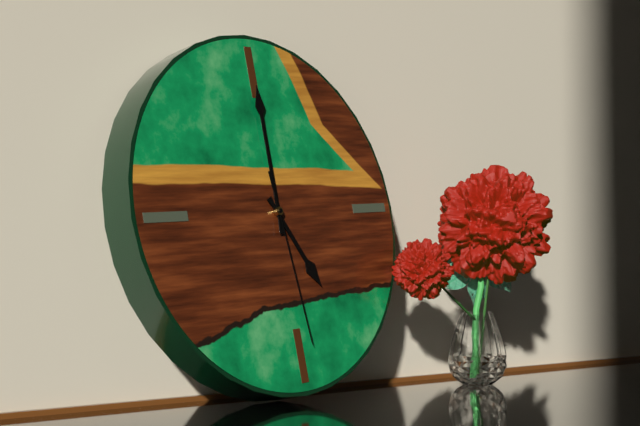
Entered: 5 h 00 min 29 s
